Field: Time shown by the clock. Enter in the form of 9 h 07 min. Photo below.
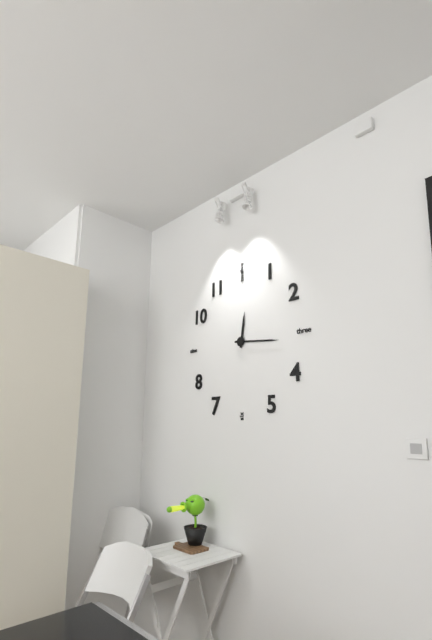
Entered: 12 h 16 min
